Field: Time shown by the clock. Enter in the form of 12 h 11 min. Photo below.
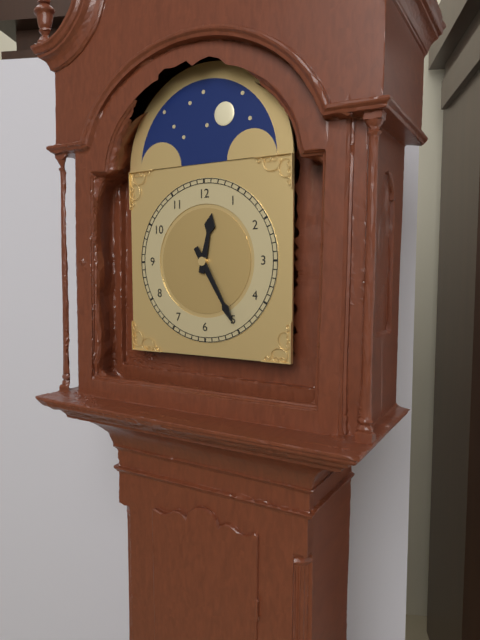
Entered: 12 h 25 min
